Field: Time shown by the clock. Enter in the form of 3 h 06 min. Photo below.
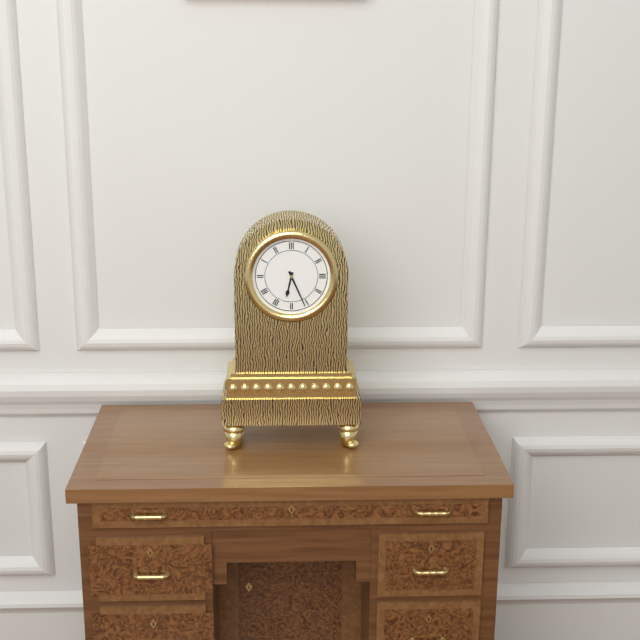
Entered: 6 h 26 min
